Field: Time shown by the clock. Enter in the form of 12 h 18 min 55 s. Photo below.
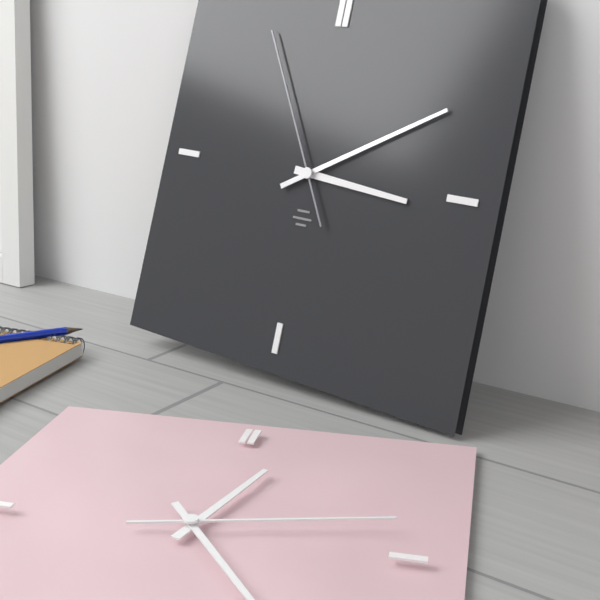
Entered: 3 h 10 min 55 s
